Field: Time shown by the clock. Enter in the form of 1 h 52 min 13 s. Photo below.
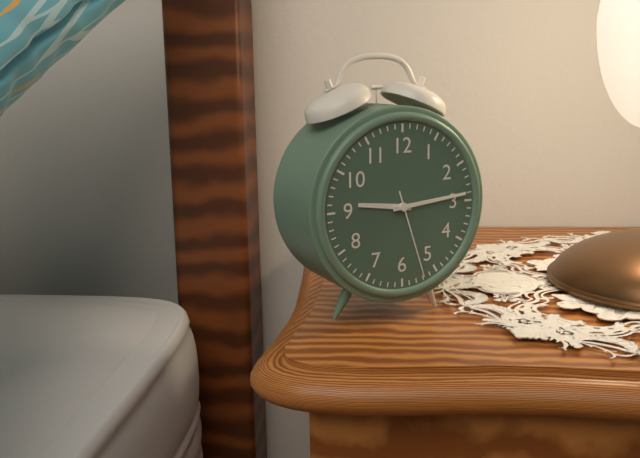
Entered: 9 h 14 min 27 s
